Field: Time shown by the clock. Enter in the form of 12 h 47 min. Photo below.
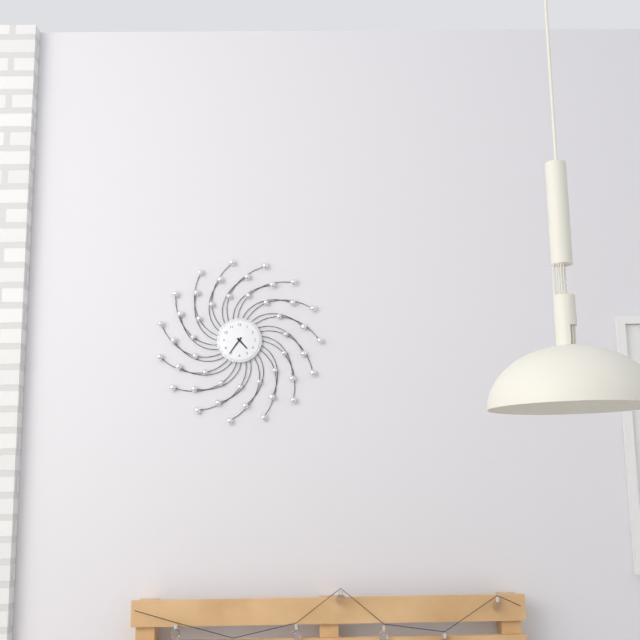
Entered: 4 h 36 min
